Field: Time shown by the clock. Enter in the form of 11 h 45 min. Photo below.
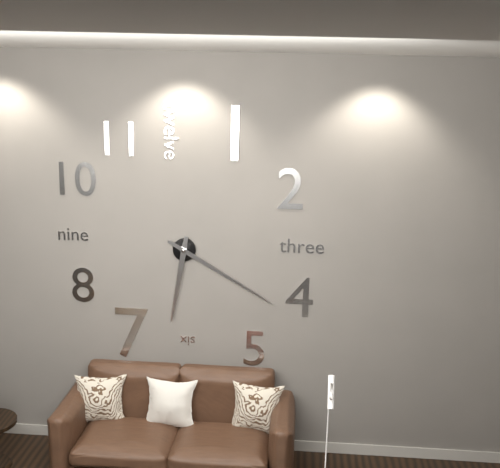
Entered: 6 h 20 min
